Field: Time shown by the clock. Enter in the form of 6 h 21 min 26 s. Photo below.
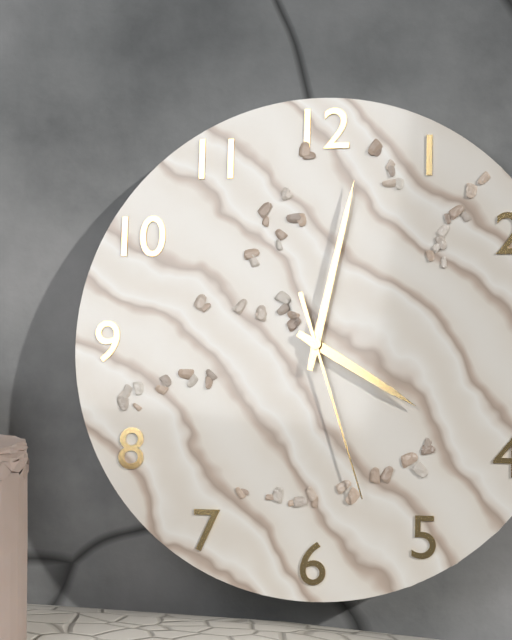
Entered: 4 h 02 min 27 s
